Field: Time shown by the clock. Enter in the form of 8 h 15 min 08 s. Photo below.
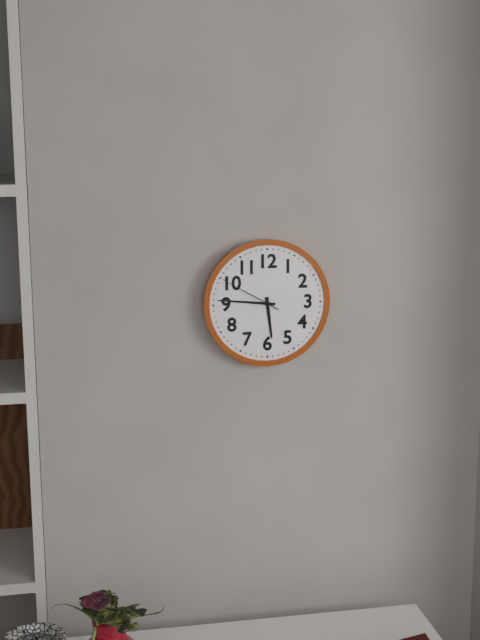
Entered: 5 h 46 min 50 s
